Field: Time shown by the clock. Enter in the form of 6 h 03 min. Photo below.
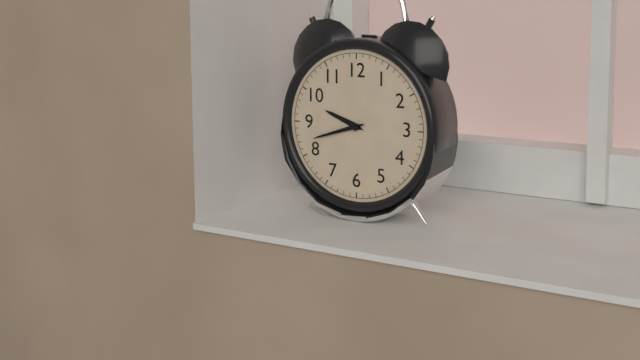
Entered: 9 h 42 min
